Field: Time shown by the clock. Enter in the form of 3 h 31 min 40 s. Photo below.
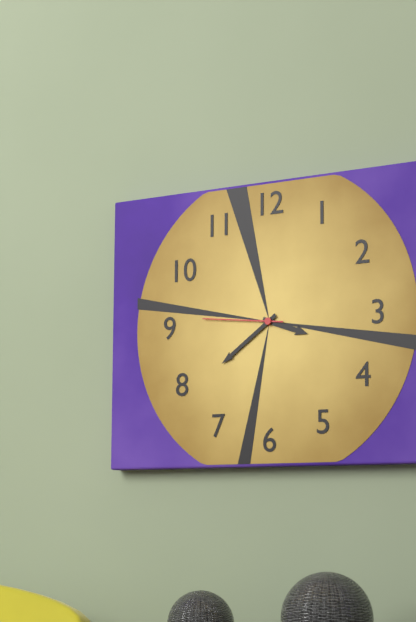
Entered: 3 h 39 min 46 s
